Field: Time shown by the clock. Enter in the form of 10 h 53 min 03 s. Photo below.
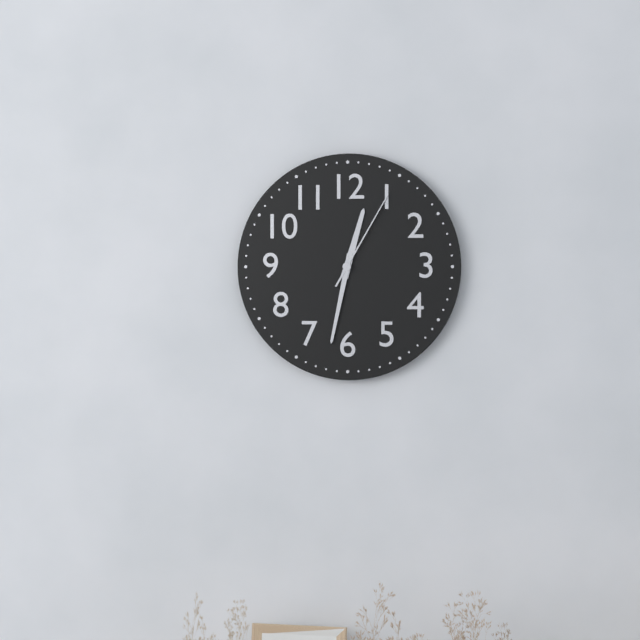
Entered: 12 h 32 min 05 s
